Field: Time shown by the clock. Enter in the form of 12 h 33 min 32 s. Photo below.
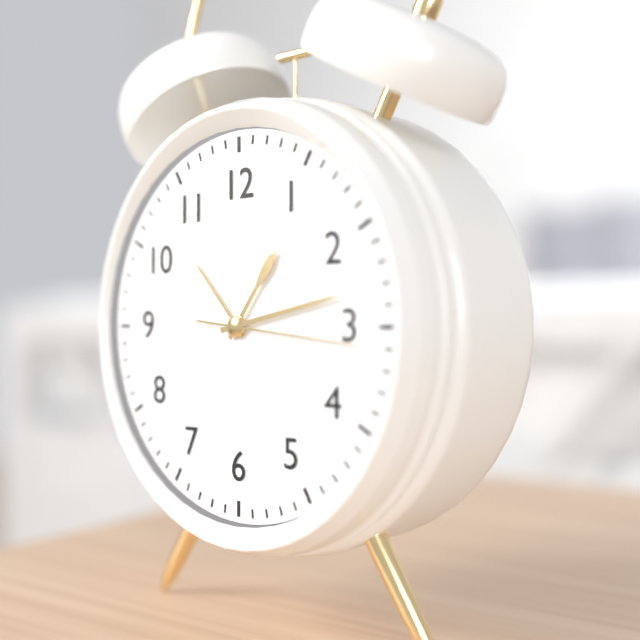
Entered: 1 h 13 min 16 s
